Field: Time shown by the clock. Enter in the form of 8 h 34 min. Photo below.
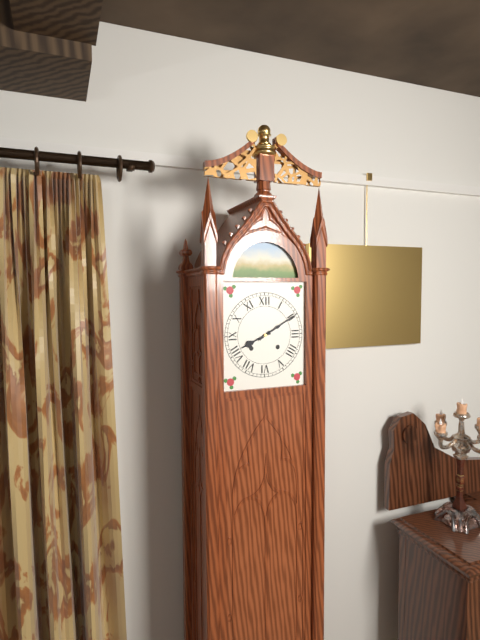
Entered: 8 h 10 min
